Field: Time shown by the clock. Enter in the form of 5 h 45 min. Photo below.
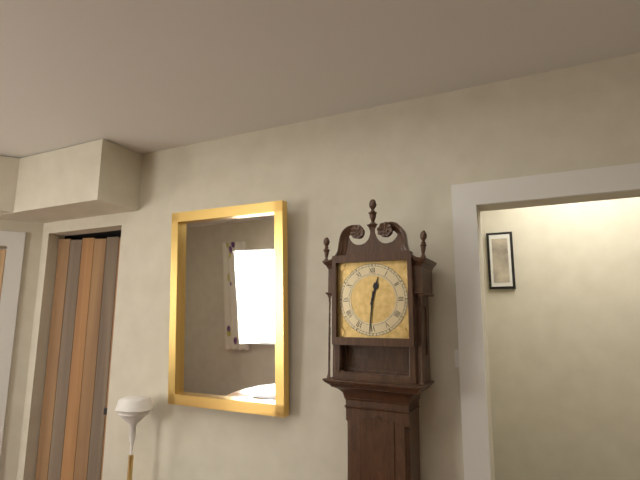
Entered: 12 h 31 min
